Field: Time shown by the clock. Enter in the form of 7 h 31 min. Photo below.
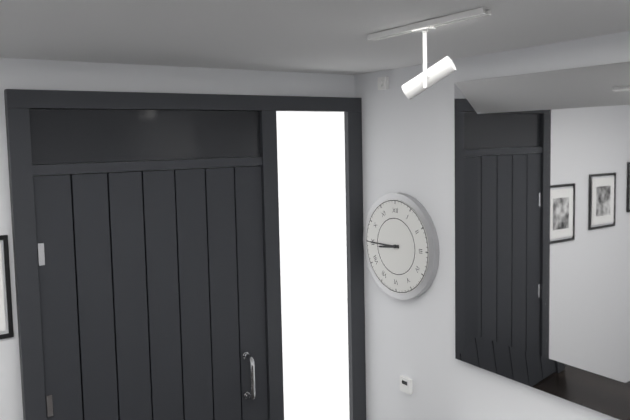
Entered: 8 h 45 min
